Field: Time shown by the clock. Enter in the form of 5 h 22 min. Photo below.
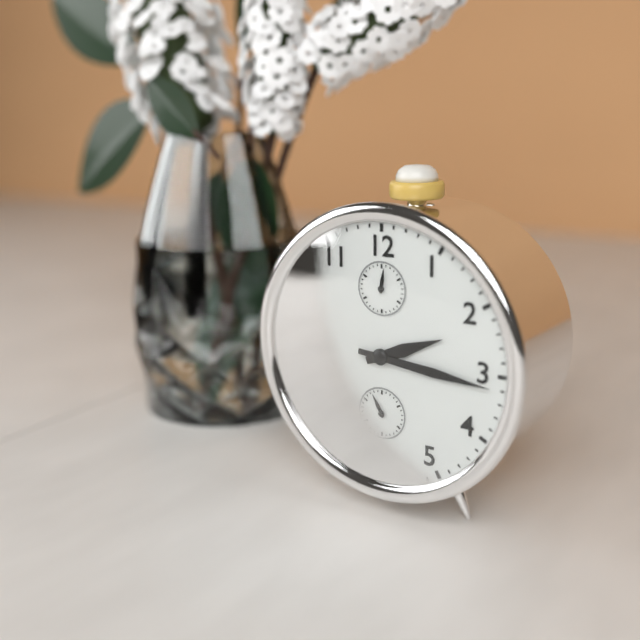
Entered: 2 h 16 min
